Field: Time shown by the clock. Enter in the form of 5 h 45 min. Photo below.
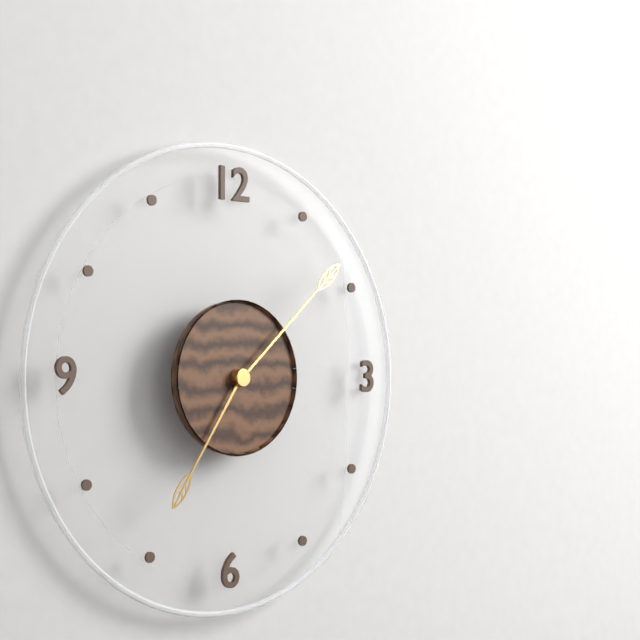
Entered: 7 h 08 min
